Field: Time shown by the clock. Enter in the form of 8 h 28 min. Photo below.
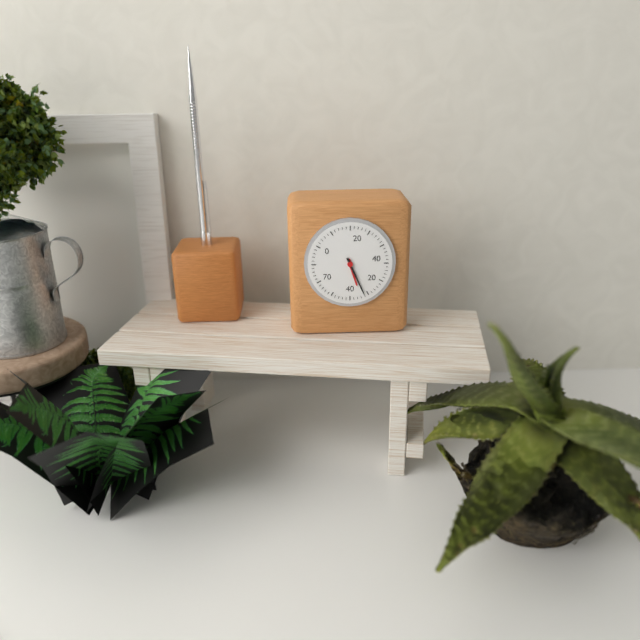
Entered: 5 h 26 min
